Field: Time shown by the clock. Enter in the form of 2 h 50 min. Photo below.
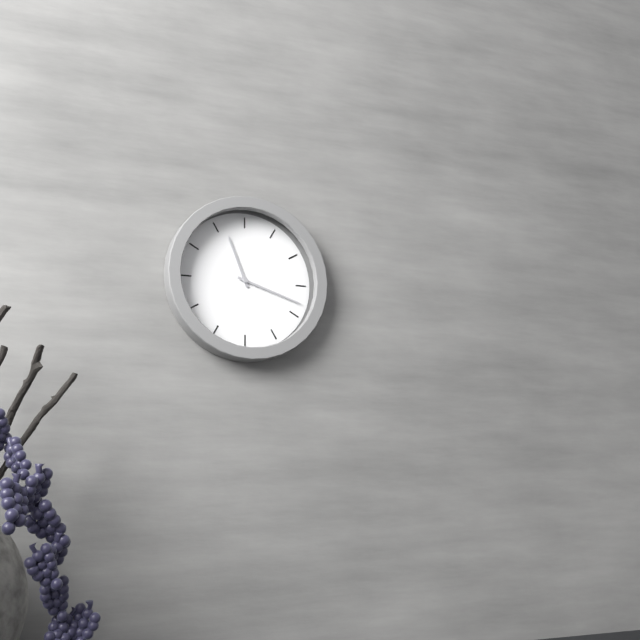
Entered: 11 h 18 min
